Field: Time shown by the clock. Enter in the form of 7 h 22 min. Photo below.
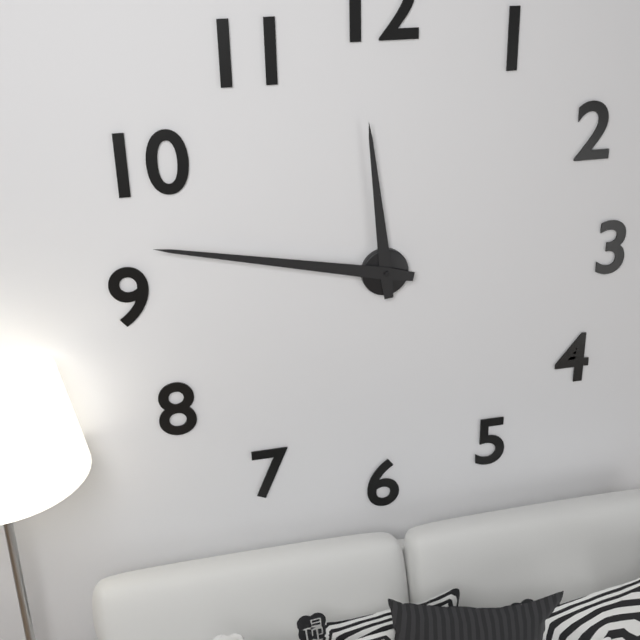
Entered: 11 h 47 min
